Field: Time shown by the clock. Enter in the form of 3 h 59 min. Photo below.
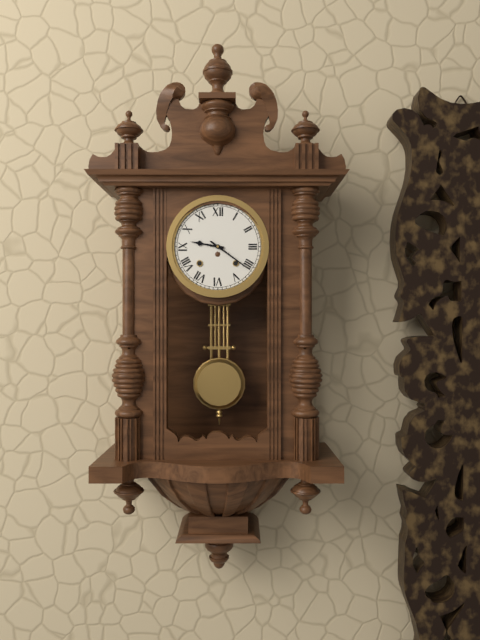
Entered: 9 h 21 min
